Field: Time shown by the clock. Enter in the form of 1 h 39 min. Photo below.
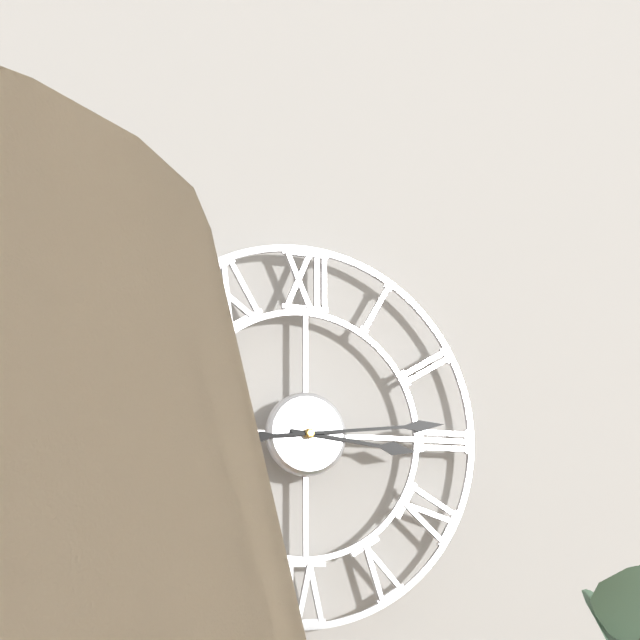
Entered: 3 h 14 min
